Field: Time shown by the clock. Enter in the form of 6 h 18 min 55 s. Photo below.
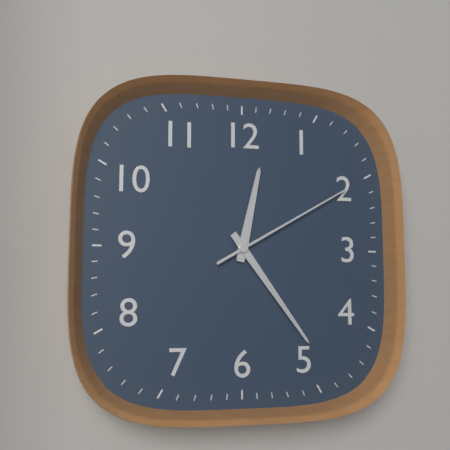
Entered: 12 h 24 min 10 s
